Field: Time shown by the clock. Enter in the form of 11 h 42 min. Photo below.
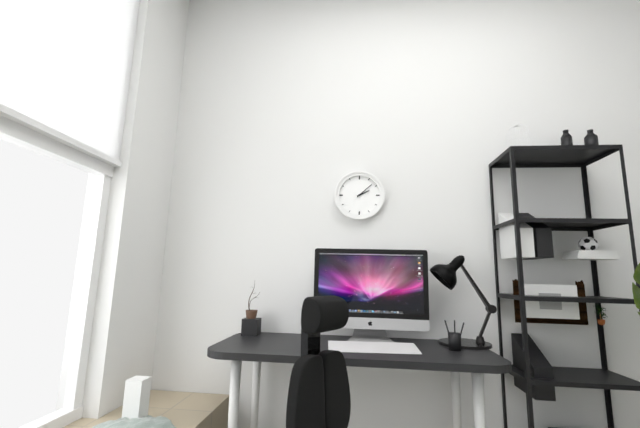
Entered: 2 h 08 min
